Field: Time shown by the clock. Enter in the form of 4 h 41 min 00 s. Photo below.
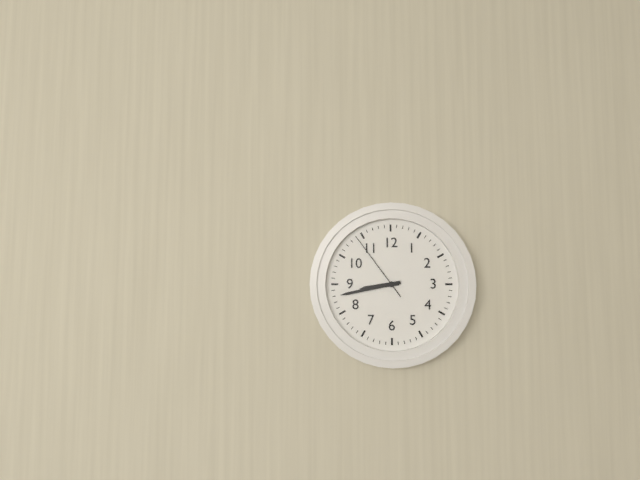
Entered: 8 h 43 min 54 s
